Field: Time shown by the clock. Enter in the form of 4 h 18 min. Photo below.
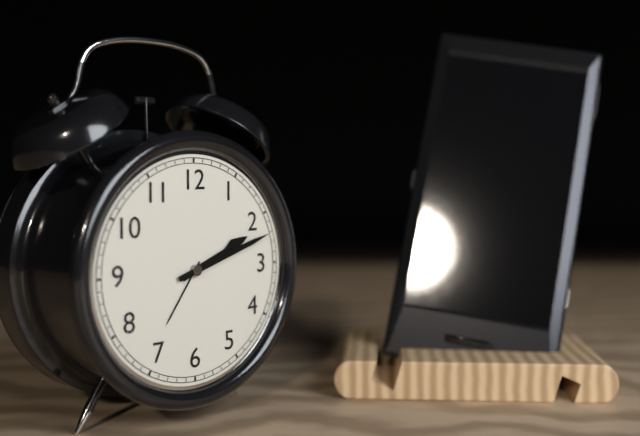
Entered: 2 h 12 min
